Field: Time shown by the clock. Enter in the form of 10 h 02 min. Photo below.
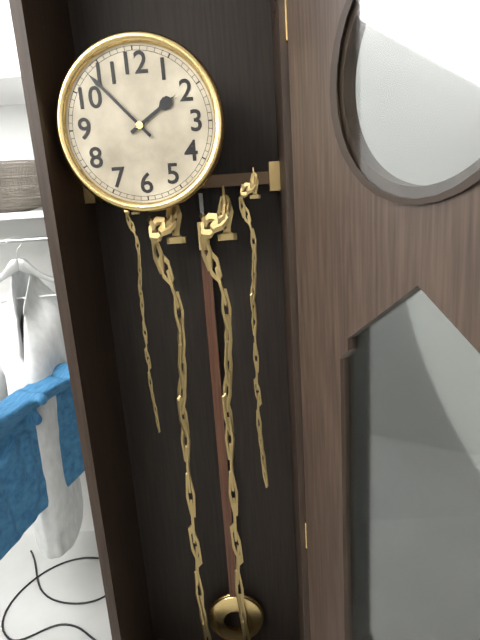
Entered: 1 h 53 min
